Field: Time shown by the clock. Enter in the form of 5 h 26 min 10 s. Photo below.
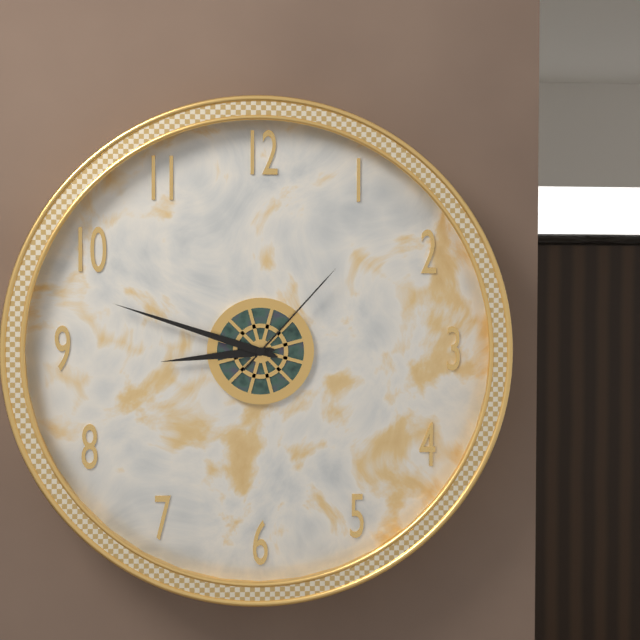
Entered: 8 h 48 min 07 s
